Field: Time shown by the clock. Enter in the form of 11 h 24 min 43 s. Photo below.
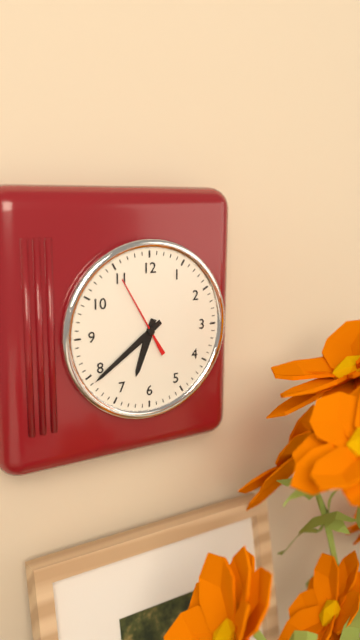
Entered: 6 h 39 min 55 s
